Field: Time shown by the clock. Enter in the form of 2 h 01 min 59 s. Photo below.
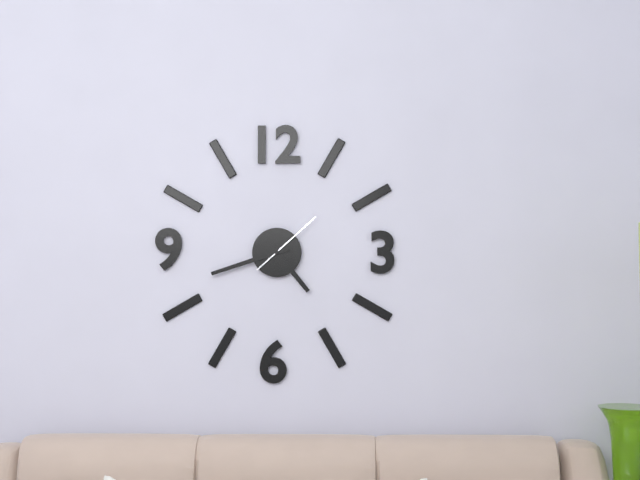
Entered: 4 h 42 min 08 s
